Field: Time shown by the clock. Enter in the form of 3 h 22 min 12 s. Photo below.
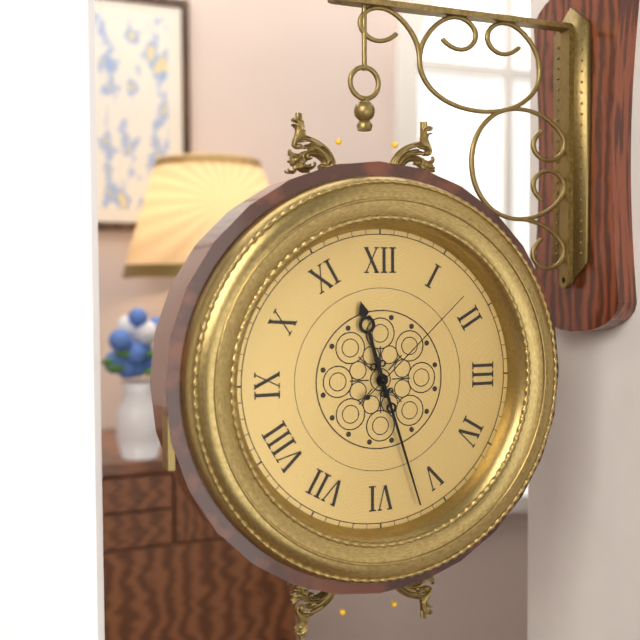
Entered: 11 h 27 min 08 s
